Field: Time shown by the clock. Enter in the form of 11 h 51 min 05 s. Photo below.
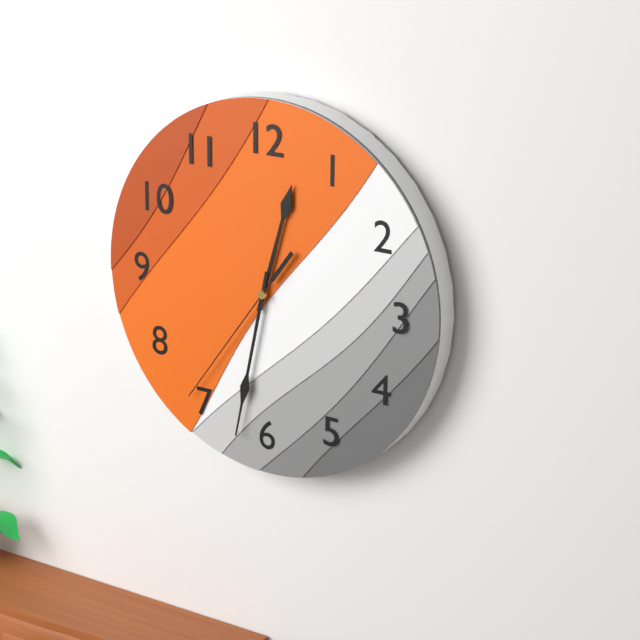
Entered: 12 h 32 min 36 s
